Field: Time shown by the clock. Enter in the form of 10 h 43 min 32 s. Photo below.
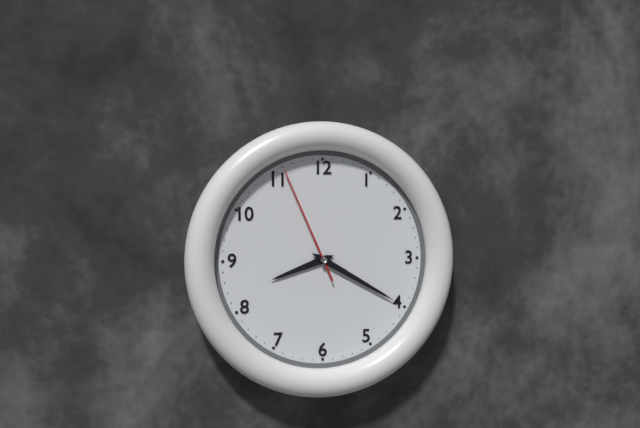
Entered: 8 h 20 min 56 s
